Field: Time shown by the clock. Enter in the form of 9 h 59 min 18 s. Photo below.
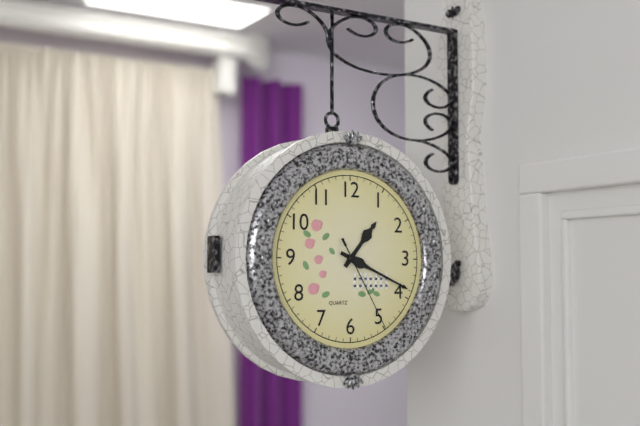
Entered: 1 h 19 min 25 s
